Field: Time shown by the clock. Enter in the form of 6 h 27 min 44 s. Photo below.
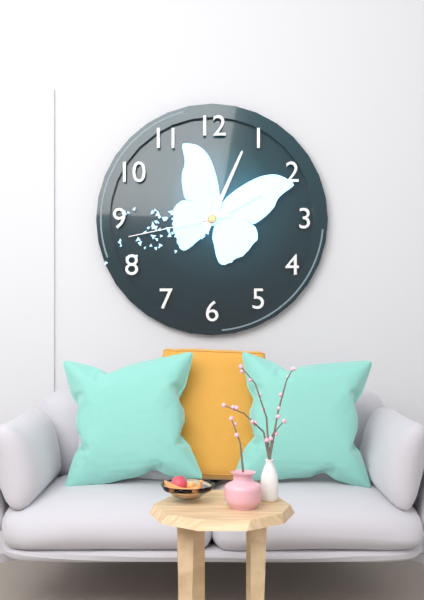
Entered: 2 h 04 min 43 s
